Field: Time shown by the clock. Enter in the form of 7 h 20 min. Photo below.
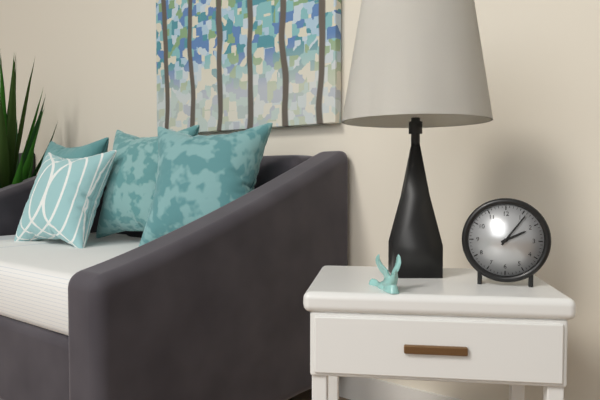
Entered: 2 h 06 min
